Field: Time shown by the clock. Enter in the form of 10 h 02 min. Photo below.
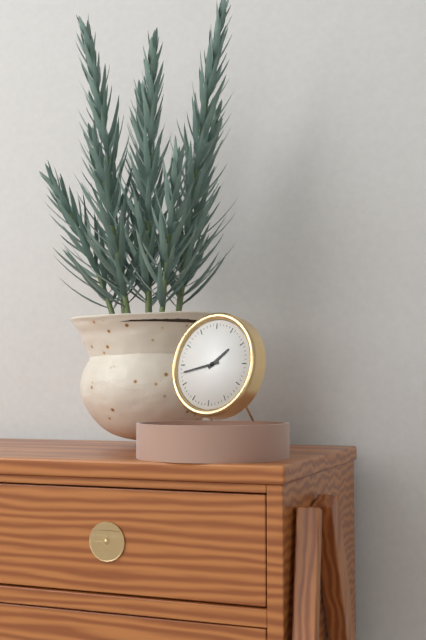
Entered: 1 h 43 min
